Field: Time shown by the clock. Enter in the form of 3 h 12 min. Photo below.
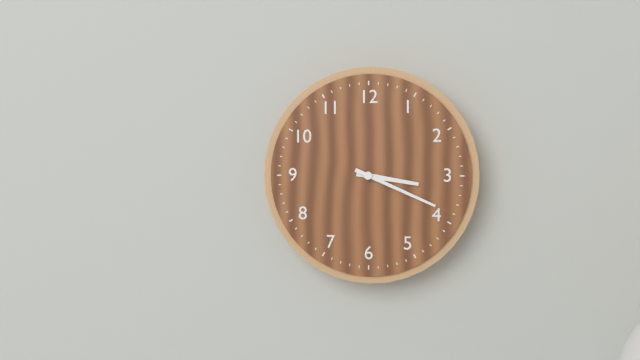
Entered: 3 h 19 min
